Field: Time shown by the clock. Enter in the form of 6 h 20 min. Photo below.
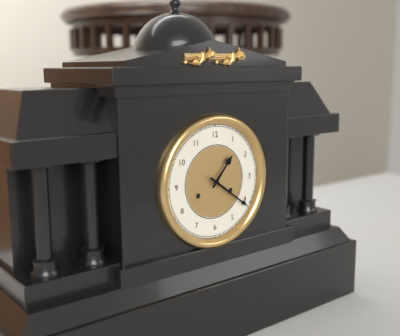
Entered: 1 h 21 min
